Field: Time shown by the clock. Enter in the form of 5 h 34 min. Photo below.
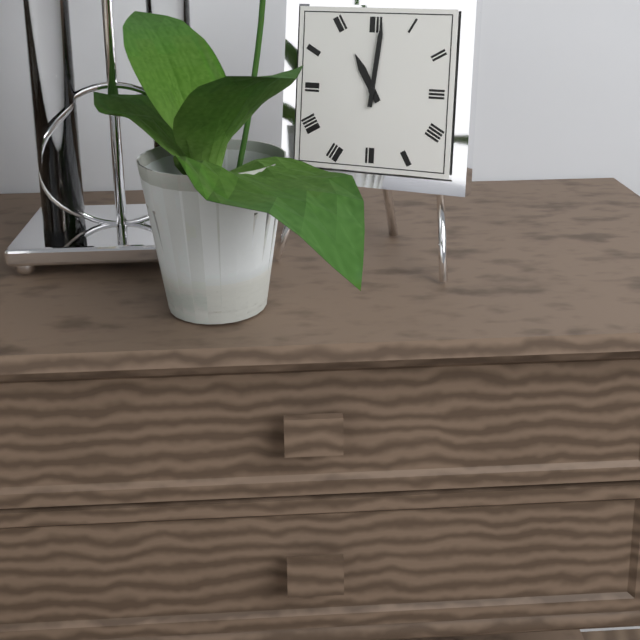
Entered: 11 h 01 min
